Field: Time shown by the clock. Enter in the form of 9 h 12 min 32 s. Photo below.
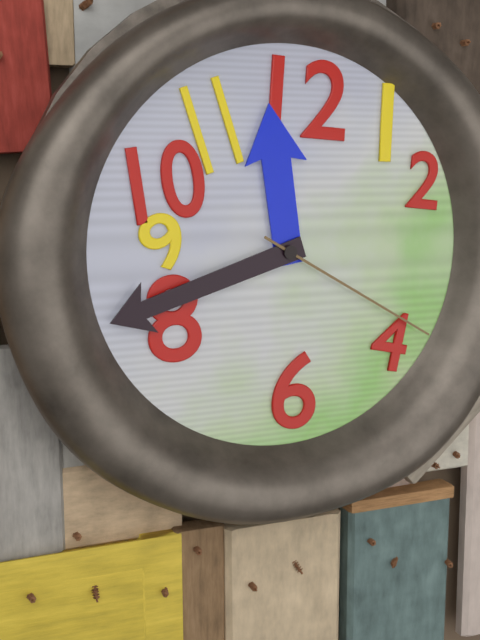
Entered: 11 h 42 min 20 s
